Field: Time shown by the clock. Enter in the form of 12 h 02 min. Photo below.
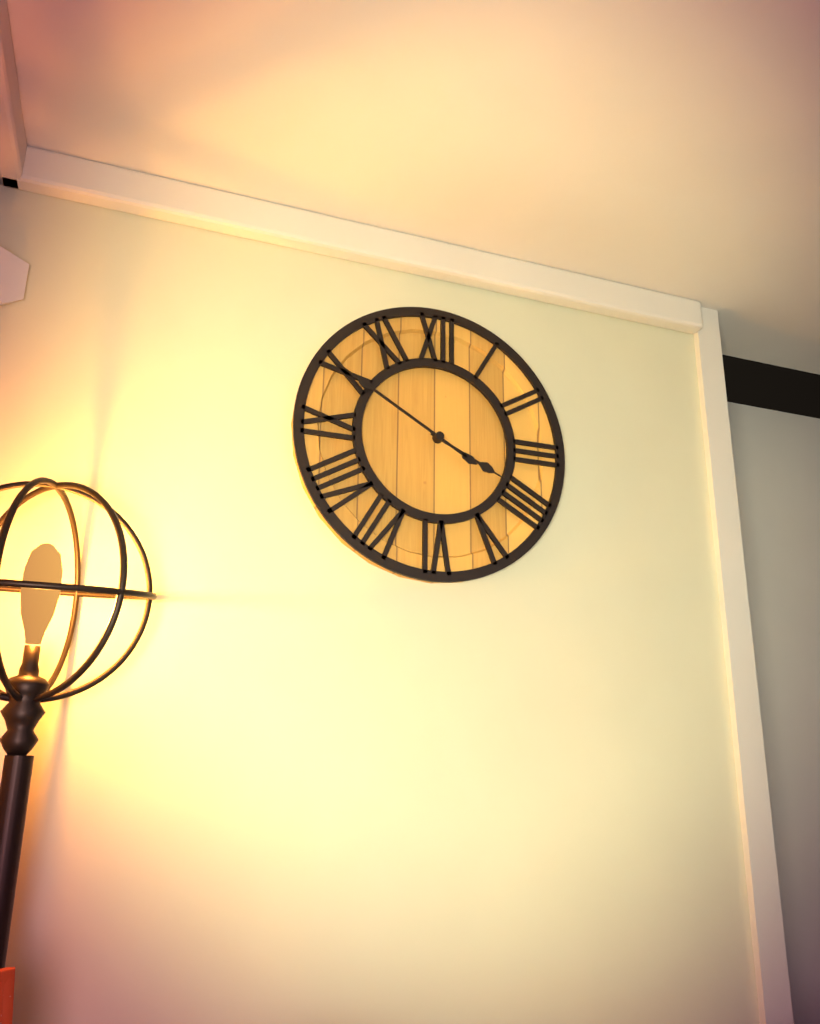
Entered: 3 h 50 min
